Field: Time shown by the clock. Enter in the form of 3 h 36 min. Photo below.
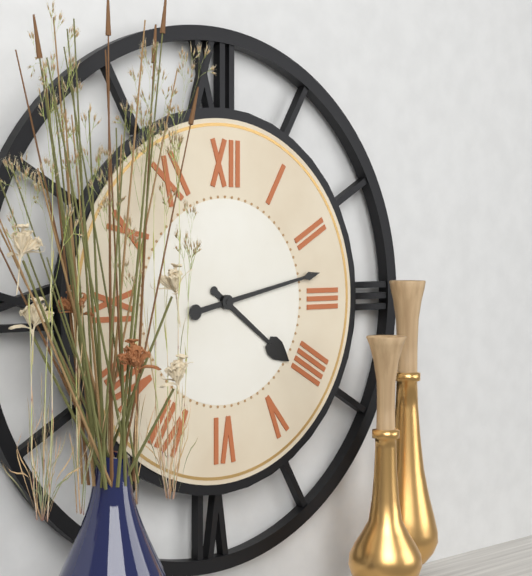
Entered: 4 h 13 min
